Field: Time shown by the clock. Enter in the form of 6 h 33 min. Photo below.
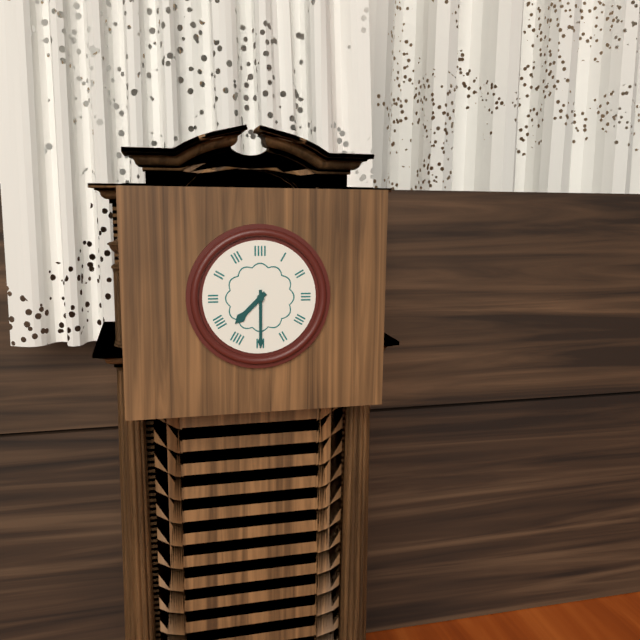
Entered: 7 h 30 min
